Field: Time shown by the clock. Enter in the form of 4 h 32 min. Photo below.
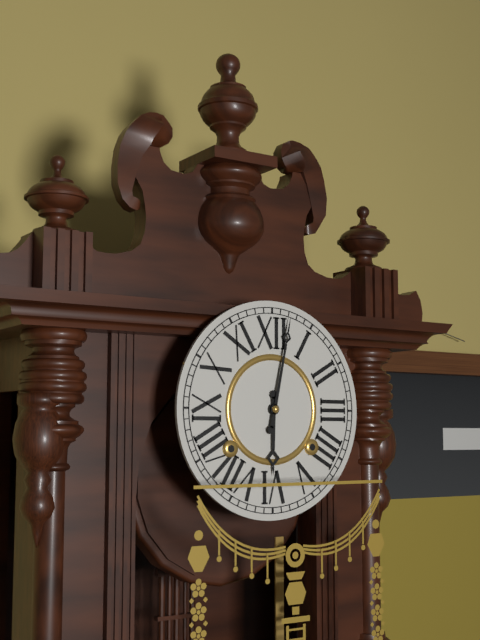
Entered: 6 h 02 min
